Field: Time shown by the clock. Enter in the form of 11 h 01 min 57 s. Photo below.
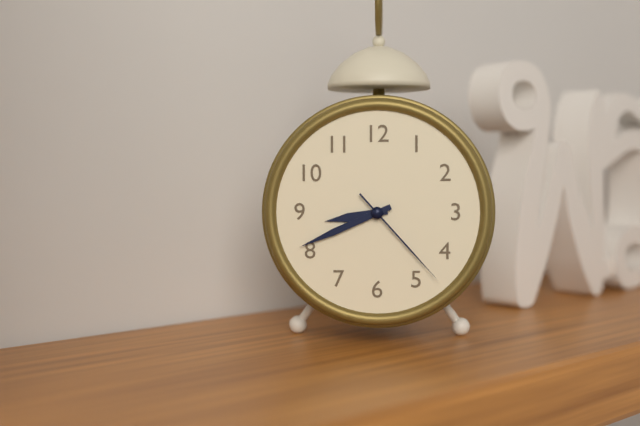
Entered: 8 h 41 min 23 s
